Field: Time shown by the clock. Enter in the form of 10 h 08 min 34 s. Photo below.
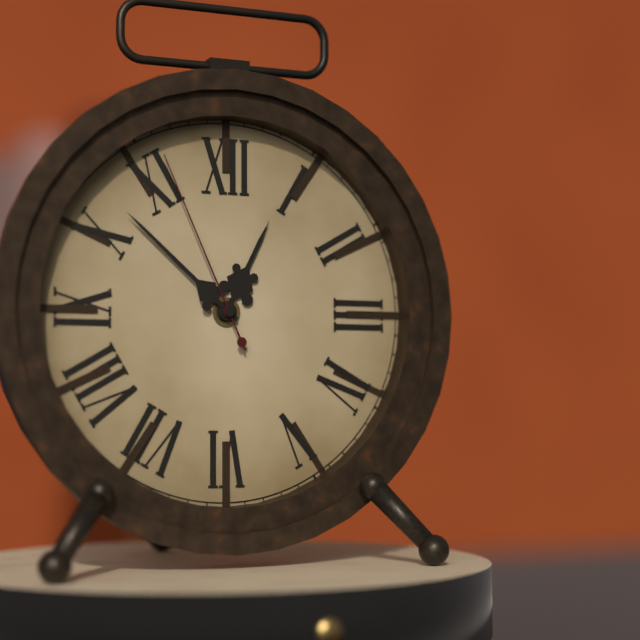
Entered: 12 h 52 min 56 s
